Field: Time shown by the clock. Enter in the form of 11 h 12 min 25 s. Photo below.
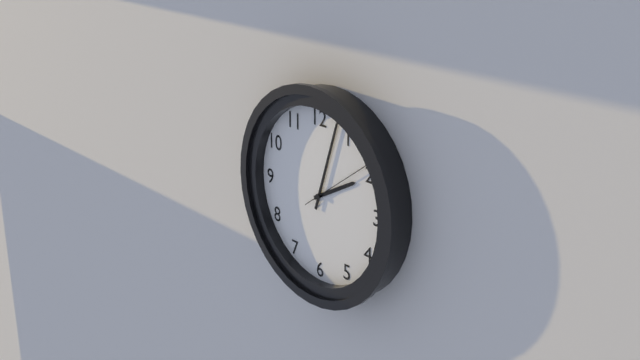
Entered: 2 h 03 min 09 s
